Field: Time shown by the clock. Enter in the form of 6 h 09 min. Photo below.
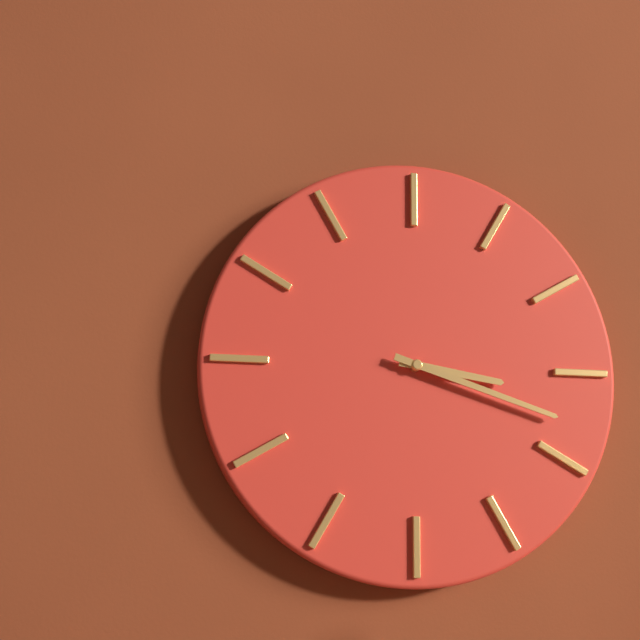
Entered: 3 h 18 min
